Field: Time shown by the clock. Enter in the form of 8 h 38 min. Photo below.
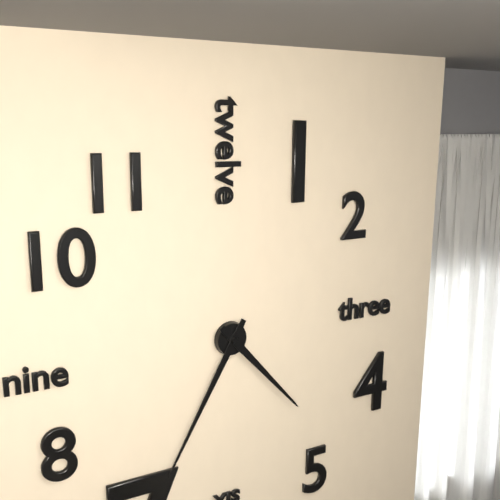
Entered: 4 h 35 min
